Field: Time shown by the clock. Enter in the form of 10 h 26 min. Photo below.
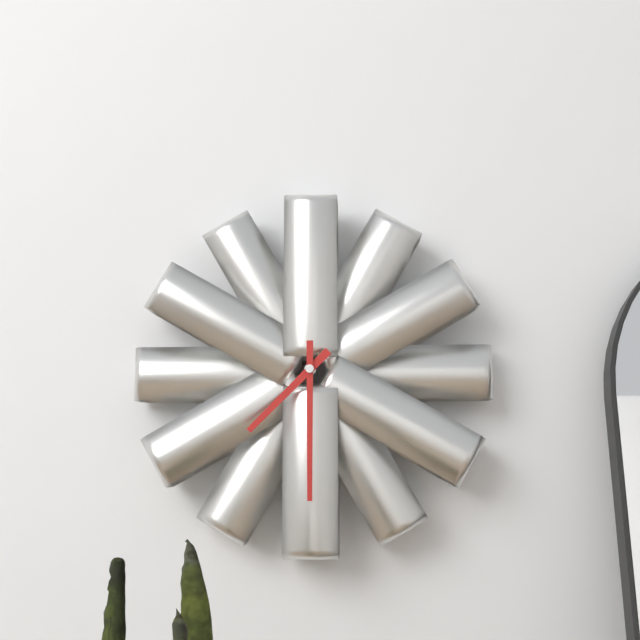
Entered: 7 h 30 min
